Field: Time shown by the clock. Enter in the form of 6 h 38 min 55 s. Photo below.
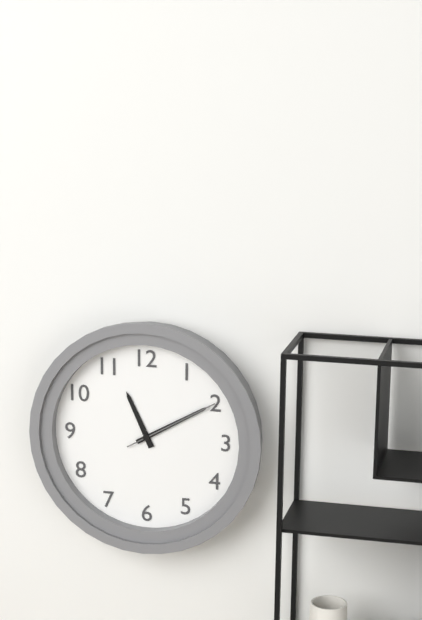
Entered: 11 h 10 min 10 s
